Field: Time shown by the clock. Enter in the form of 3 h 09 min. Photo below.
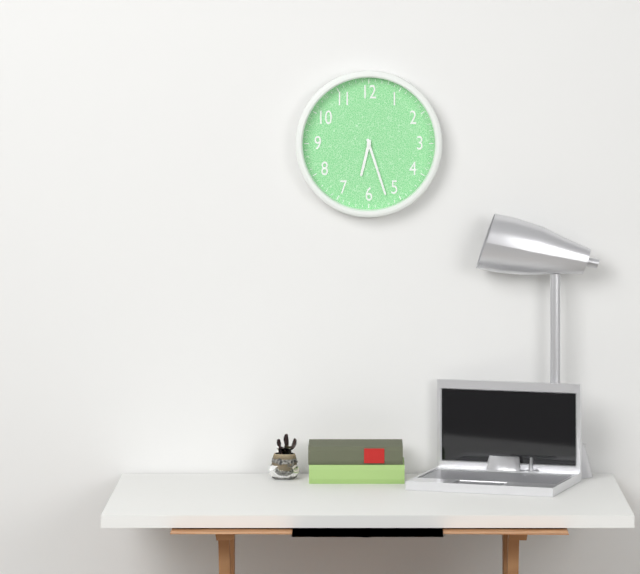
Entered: 6 h 27 min
